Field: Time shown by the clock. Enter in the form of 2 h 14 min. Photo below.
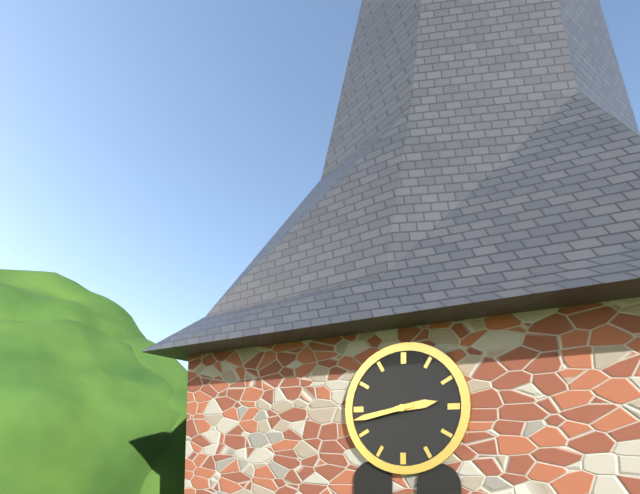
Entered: 2 h 43 min
